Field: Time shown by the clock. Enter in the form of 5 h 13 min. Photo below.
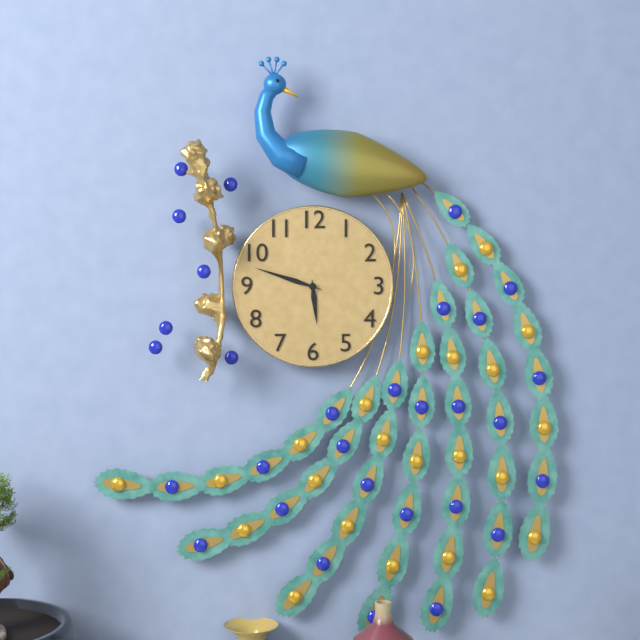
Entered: 5 h 48 min
